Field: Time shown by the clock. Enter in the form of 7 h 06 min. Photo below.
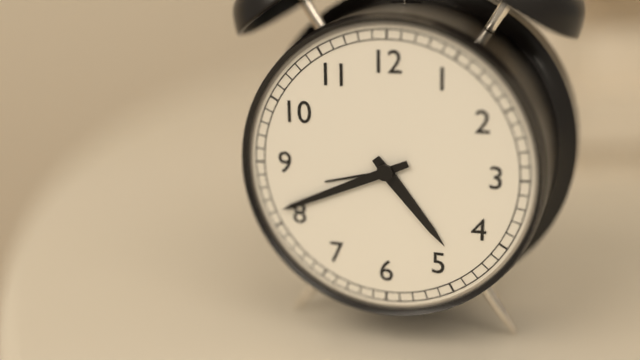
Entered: 4 h 41 min
